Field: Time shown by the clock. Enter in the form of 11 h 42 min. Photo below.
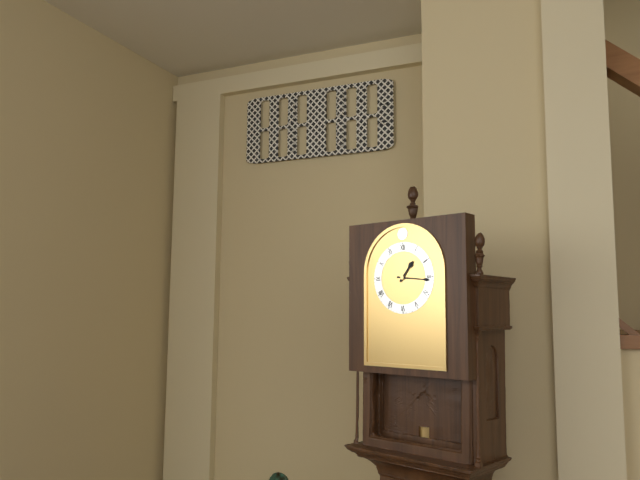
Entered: 1 h 16 min
